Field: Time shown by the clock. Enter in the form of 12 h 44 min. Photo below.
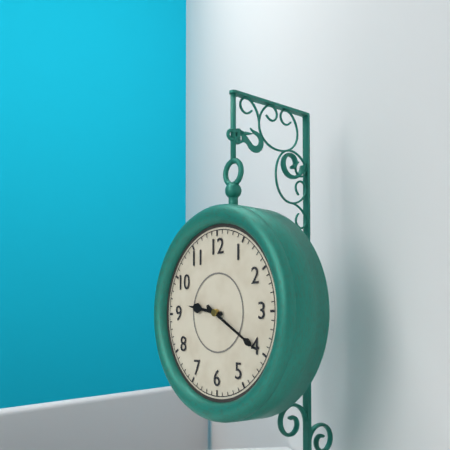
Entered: 9 h 20 min
